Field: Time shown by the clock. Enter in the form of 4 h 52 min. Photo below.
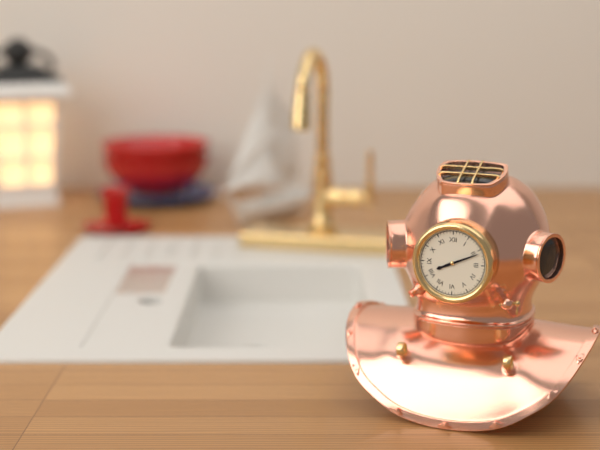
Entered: 8 h 11 min
